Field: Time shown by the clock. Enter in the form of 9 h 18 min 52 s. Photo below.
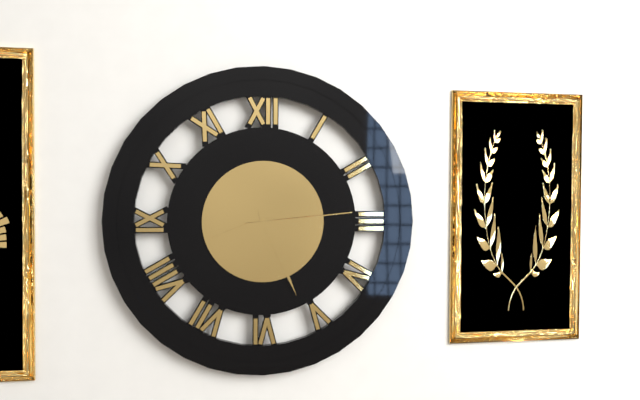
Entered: 8 h 26 min 14 s
